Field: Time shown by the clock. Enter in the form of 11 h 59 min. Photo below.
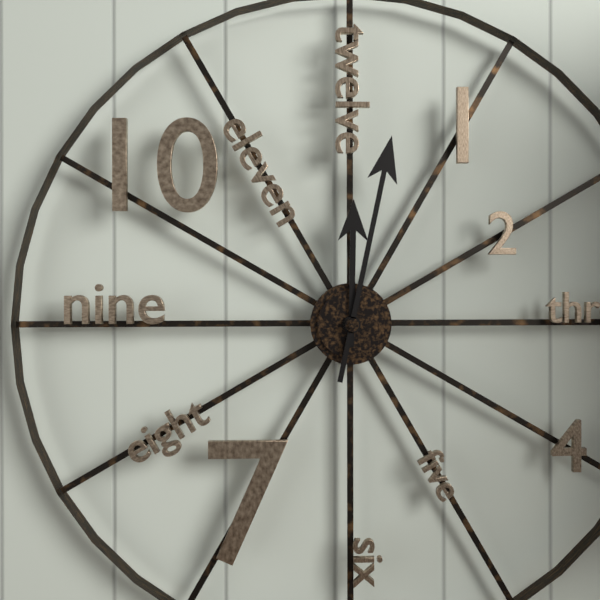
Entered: 12 h 02 min
